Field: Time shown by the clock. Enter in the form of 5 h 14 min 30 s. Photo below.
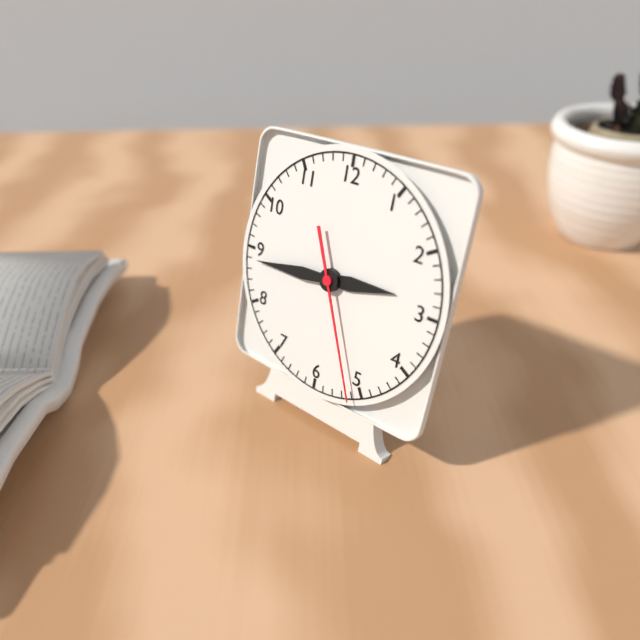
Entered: 2 h 44 min 26 s
